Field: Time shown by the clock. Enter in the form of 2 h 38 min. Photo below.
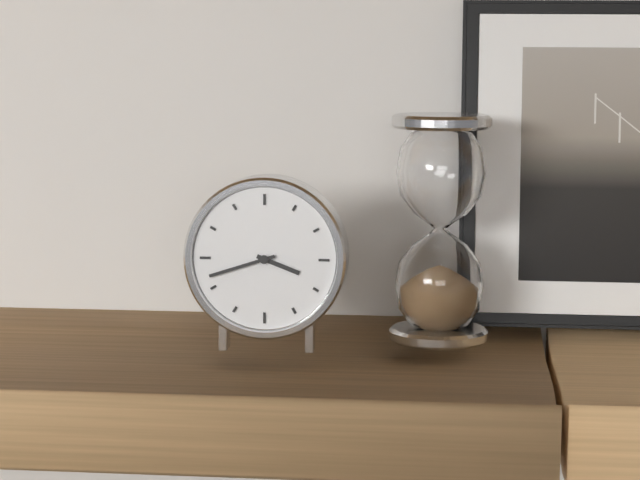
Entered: 3 h 42 min
